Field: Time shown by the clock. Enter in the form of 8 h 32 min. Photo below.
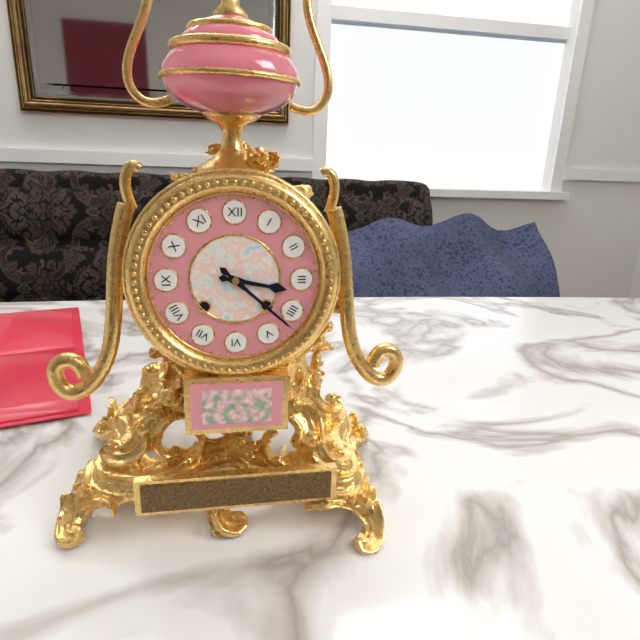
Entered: 3 h 22 min
